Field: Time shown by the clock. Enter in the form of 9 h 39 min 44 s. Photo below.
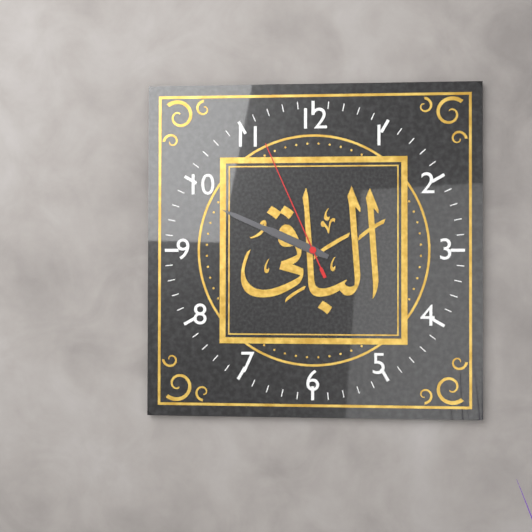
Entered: 9 h 49 min 56 s
